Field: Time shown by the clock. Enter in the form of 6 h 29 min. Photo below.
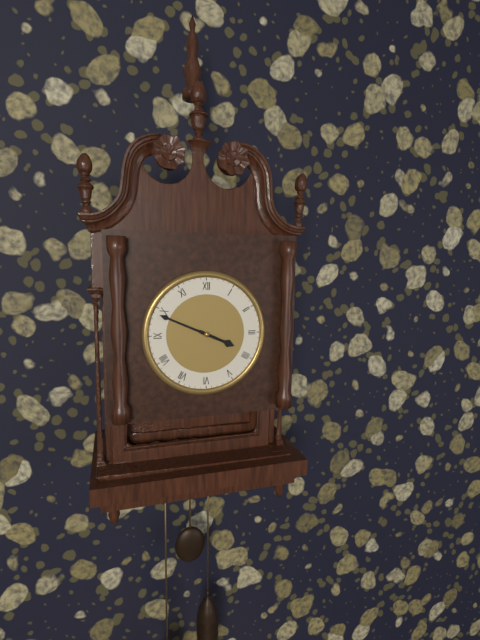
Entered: 3 h 49 min
